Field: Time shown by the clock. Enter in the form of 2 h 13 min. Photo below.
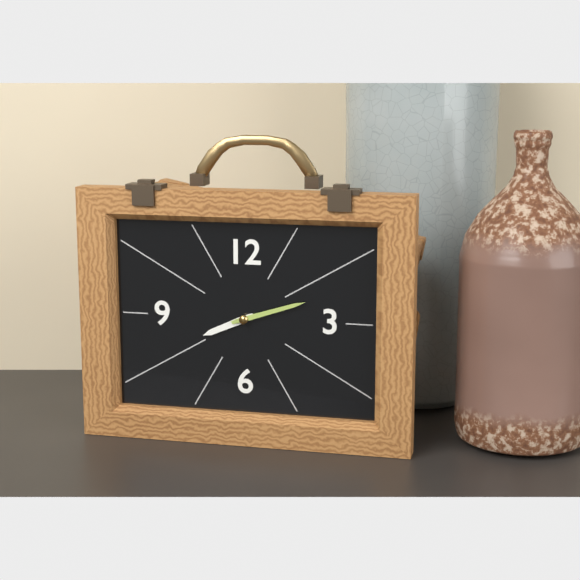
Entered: 8 h 12 min
